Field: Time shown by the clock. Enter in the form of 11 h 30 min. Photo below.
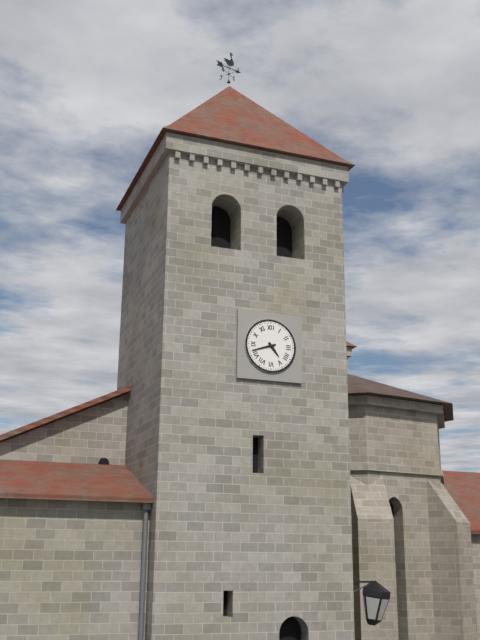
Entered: 4 h 42 min
